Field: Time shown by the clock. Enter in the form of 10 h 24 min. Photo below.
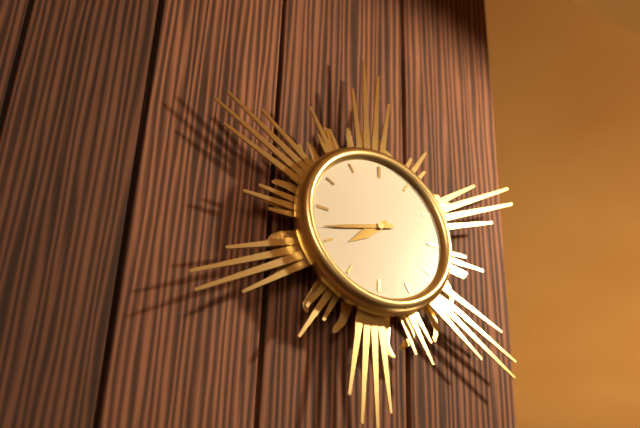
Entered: 7 h 42 min
